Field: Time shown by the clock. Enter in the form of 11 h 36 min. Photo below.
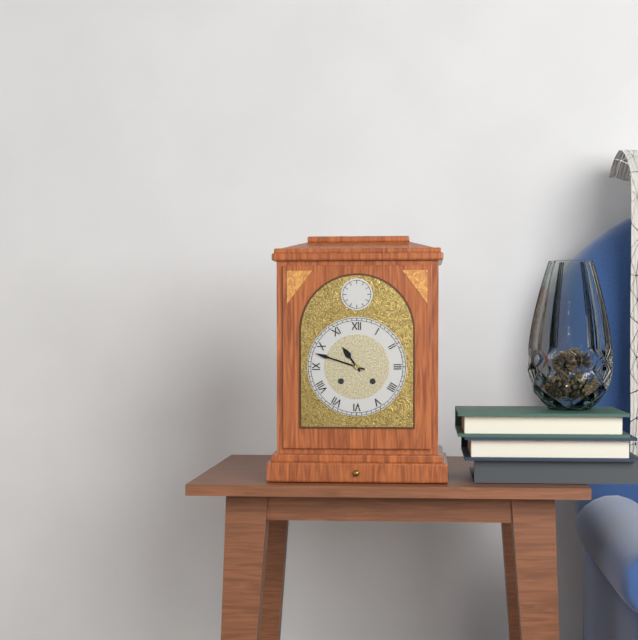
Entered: 10 h 48 min
